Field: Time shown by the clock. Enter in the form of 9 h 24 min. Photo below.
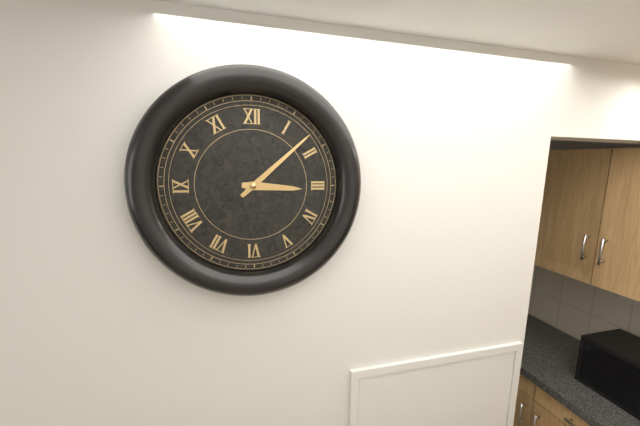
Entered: 3 h 08 min
